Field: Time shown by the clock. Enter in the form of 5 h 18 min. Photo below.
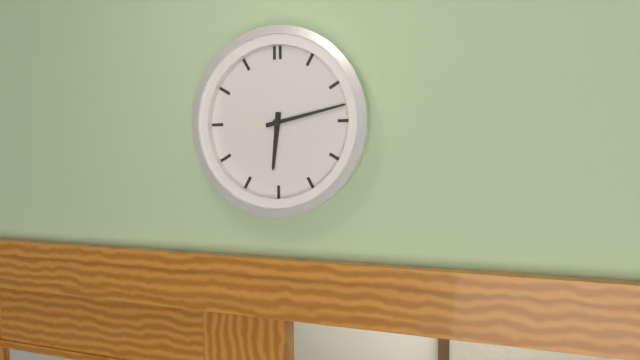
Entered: 6 h 13 min
